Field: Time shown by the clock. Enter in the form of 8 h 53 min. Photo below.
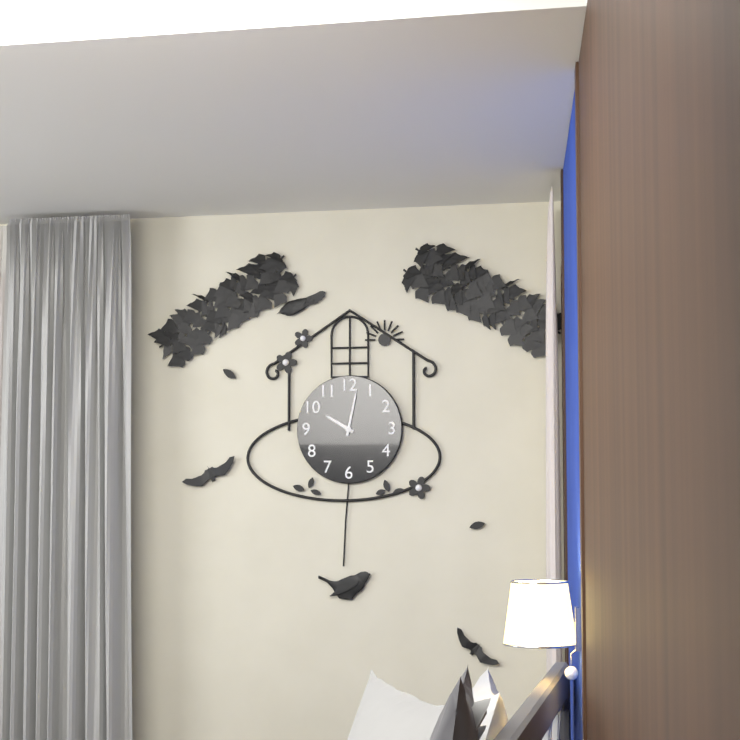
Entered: 10 h 02 min
